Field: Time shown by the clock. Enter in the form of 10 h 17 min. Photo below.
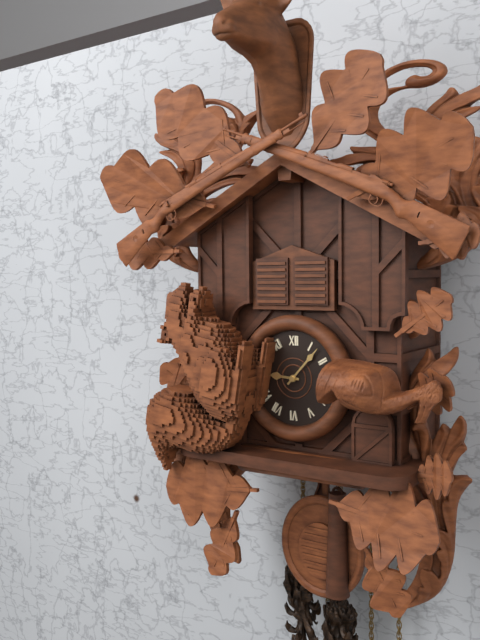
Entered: 9 h 07 min
